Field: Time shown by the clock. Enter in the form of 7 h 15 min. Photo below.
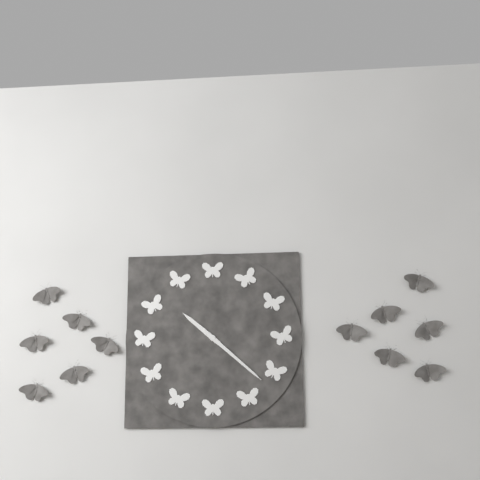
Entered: 10 h 22 min
